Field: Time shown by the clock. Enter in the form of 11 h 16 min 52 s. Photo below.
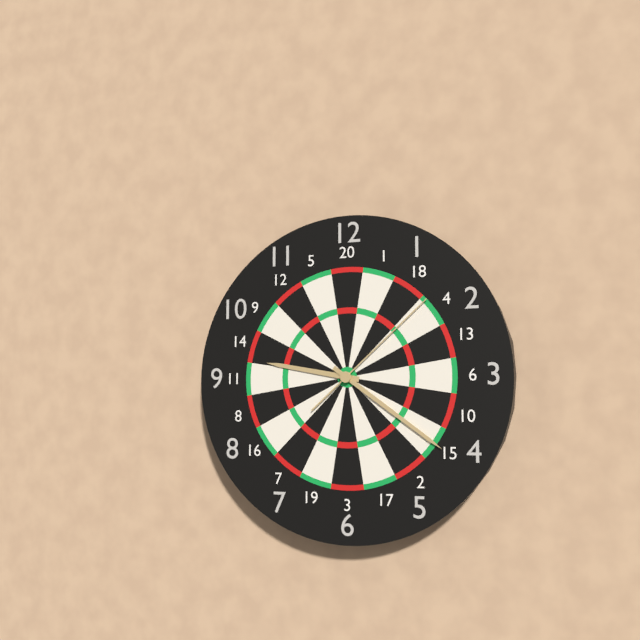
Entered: 9 h 21 min 08 s
